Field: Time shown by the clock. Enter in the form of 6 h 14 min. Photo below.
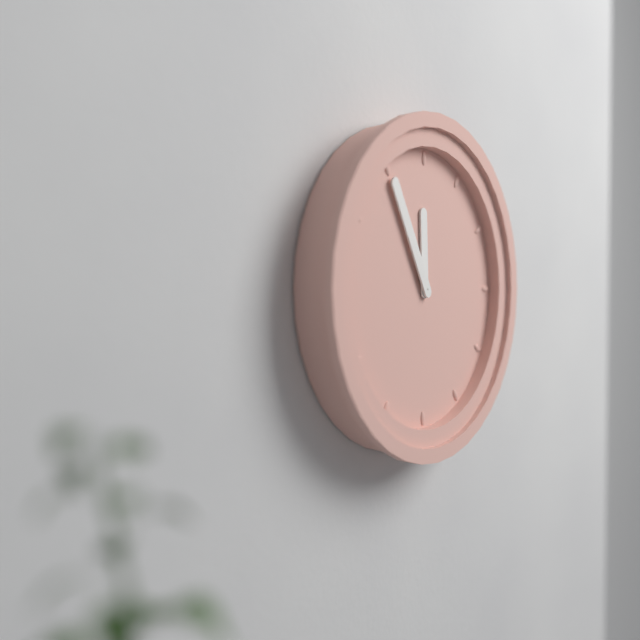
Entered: 11 h 55 min
